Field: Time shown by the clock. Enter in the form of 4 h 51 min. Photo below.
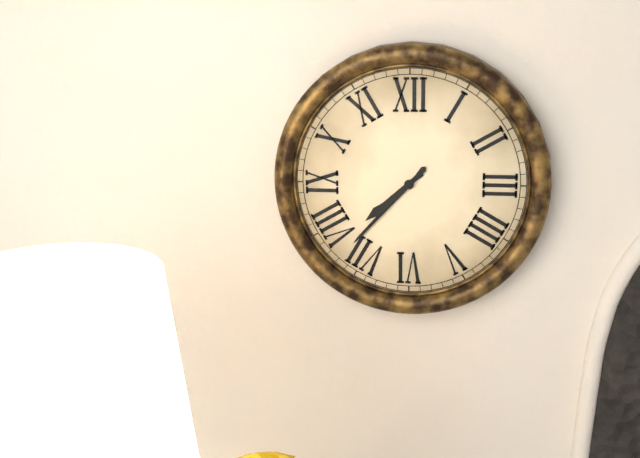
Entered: 7 h 37 min
